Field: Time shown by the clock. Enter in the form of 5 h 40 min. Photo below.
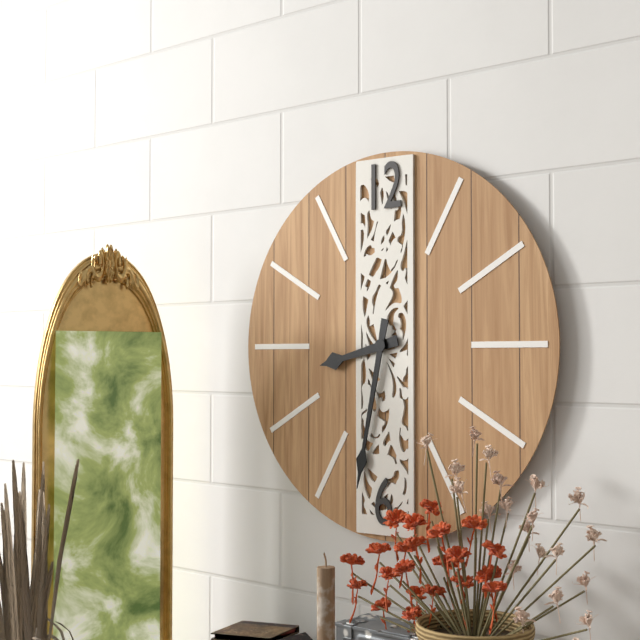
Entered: 8 h 32 min
